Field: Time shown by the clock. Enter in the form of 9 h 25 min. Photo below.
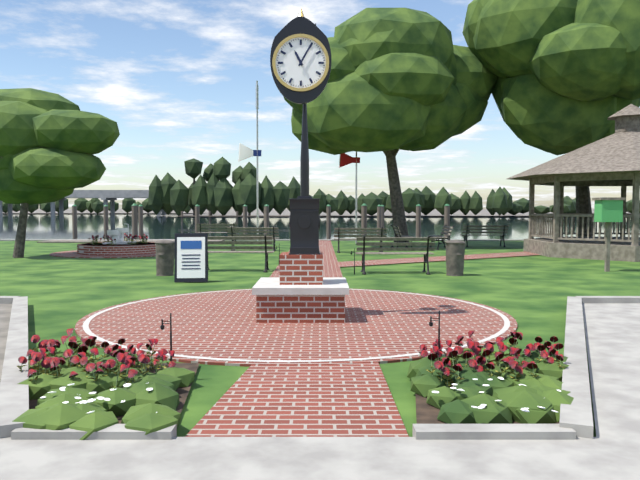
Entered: 11 h 05 min
